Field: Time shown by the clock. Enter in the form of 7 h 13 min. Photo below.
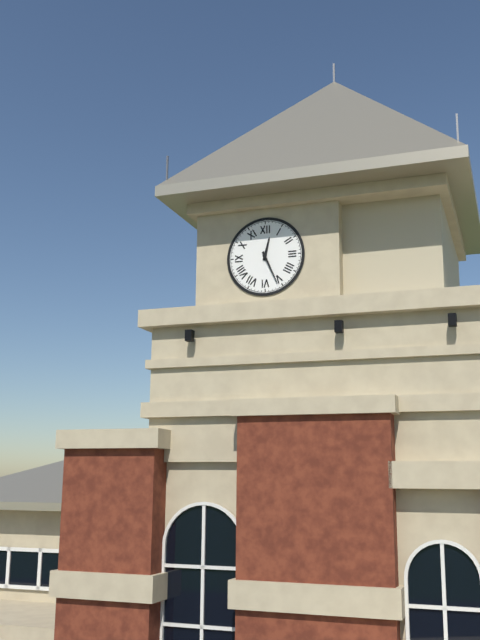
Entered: 12 h 26 min
